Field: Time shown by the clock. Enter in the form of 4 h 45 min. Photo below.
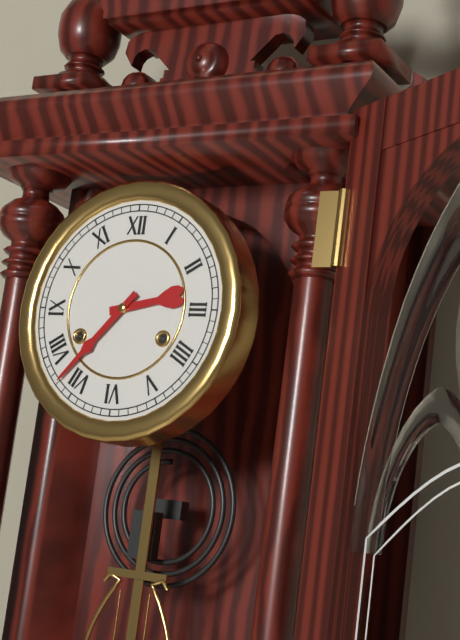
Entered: 2 h 37 min
